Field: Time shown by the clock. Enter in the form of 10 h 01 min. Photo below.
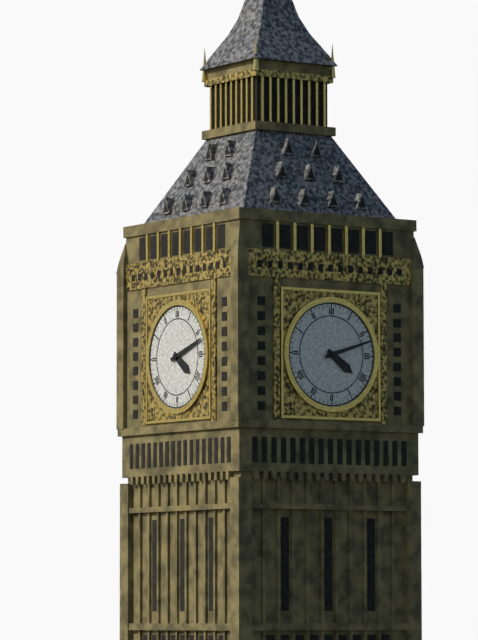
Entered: 4 h 12 min
